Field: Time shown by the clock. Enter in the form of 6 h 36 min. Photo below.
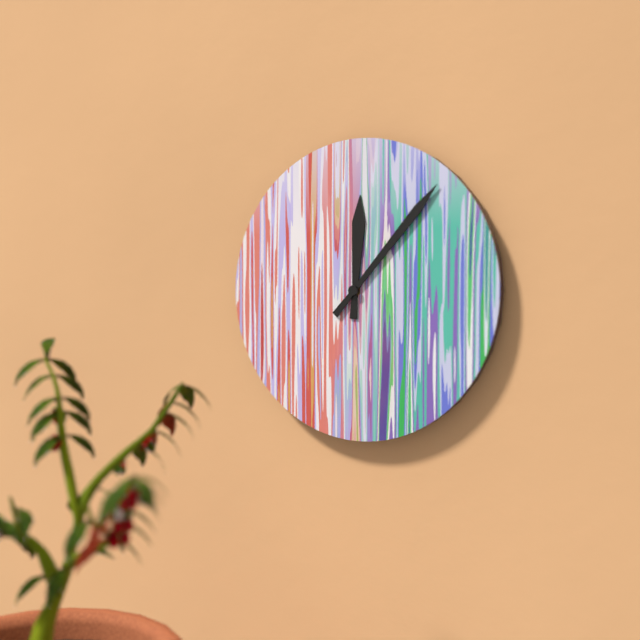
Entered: 12 h 07 min
